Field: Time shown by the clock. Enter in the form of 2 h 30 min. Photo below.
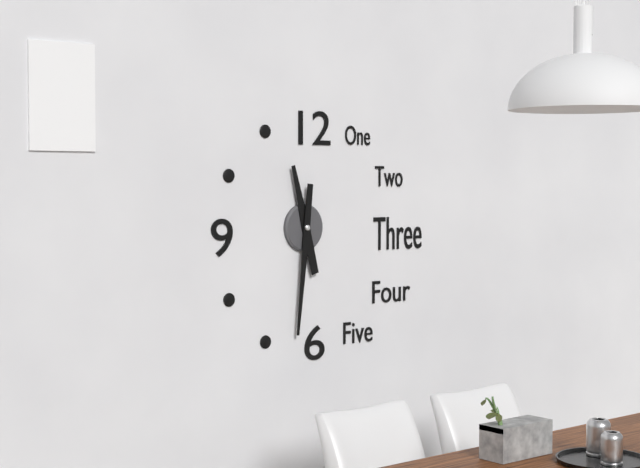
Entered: 11 h 31 min
